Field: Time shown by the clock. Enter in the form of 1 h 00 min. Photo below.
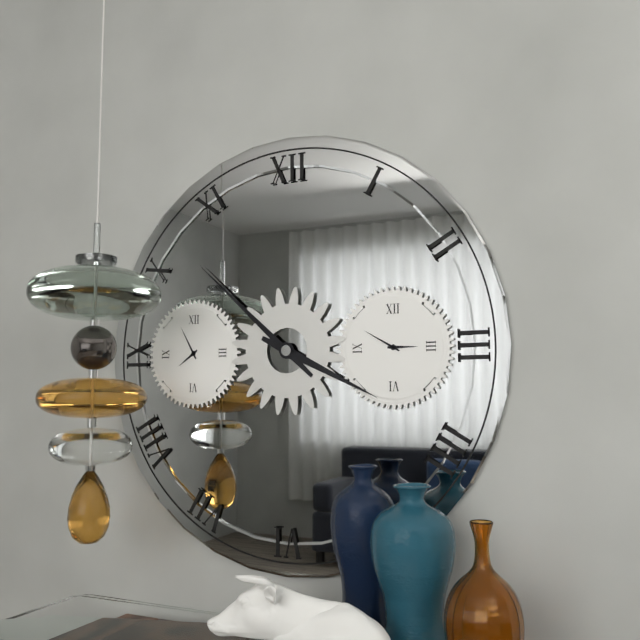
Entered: 3 h 52 min
